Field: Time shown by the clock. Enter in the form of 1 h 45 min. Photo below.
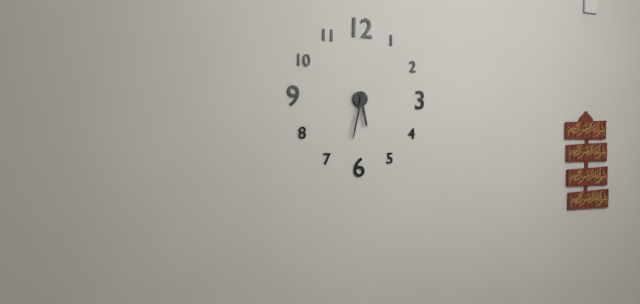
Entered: 5 h 32 min
